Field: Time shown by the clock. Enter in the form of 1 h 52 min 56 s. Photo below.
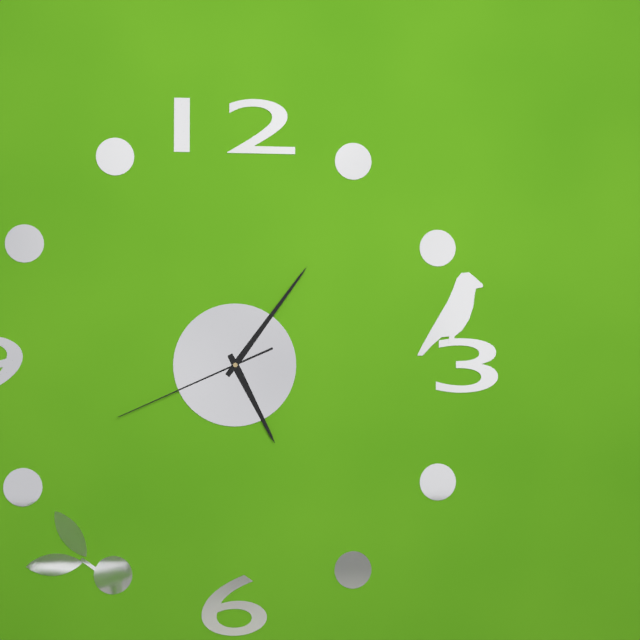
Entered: 5 h 06 min 41 s
